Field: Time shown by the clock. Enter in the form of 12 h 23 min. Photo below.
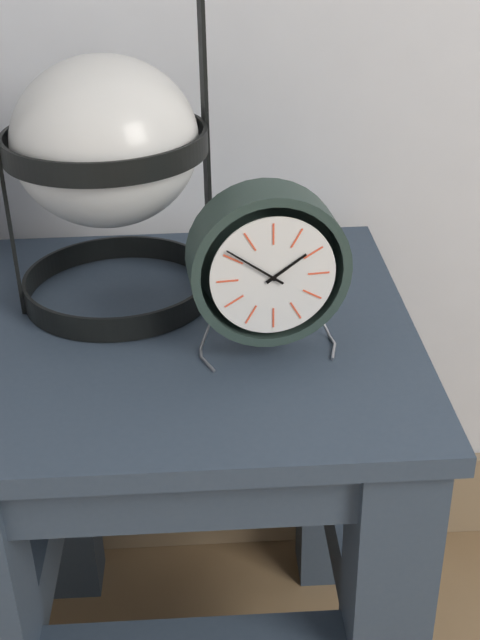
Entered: 1 h 51 min
